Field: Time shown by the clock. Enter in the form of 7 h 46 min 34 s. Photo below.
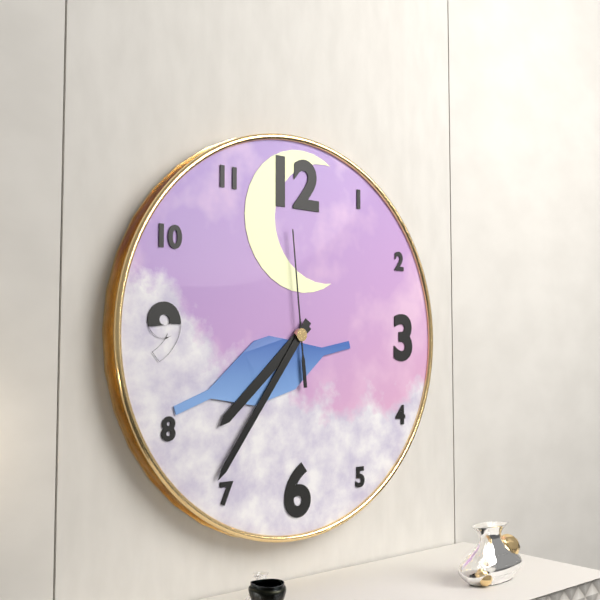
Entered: 7 h 36 min 59 s
